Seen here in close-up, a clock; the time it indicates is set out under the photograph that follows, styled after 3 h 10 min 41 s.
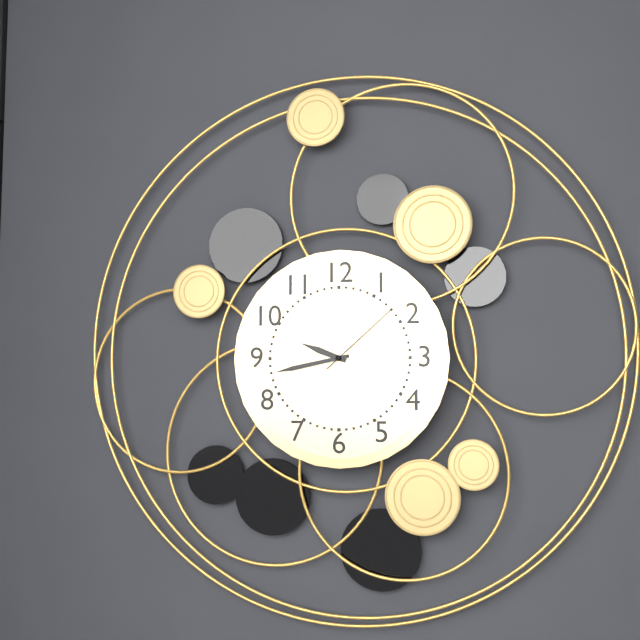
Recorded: 9 h 43 min 08 s
